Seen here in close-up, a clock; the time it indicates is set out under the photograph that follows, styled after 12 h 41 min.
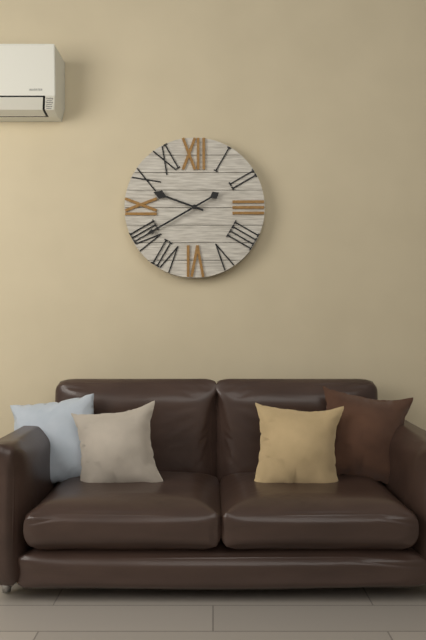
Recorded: 9 h 40 min
